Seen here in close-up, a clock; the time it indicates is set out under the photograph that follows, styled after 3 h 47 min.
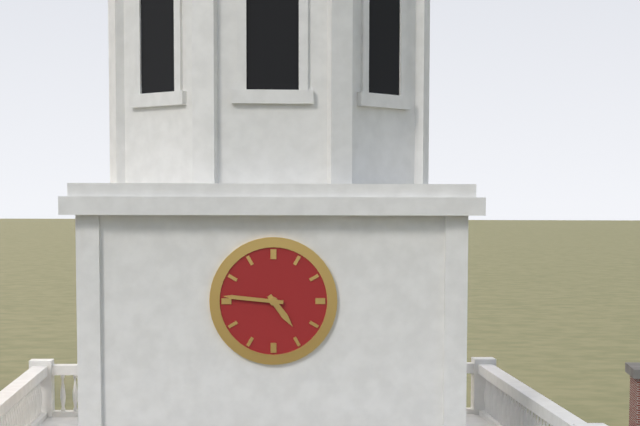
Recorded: 4 h 46 min
